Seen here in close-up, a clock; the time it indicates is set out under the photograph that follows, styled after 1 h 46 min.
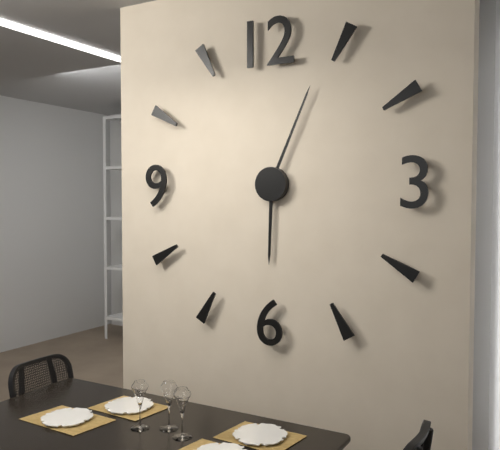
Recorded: 6 h 04 min
